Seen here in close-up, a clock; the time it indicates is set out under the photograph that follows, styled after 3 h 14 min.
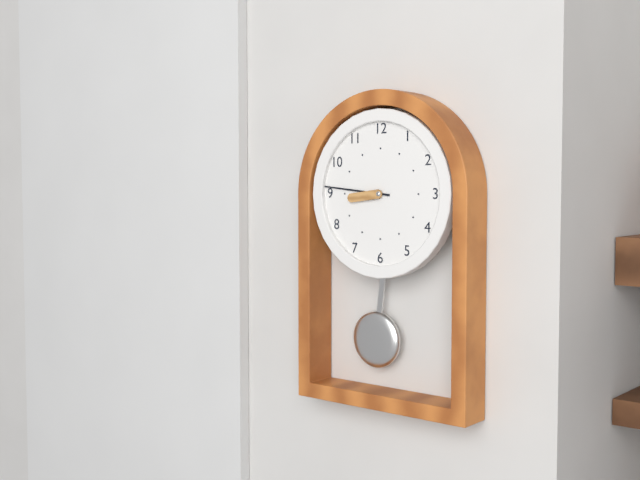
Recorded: 8 h 46 min
